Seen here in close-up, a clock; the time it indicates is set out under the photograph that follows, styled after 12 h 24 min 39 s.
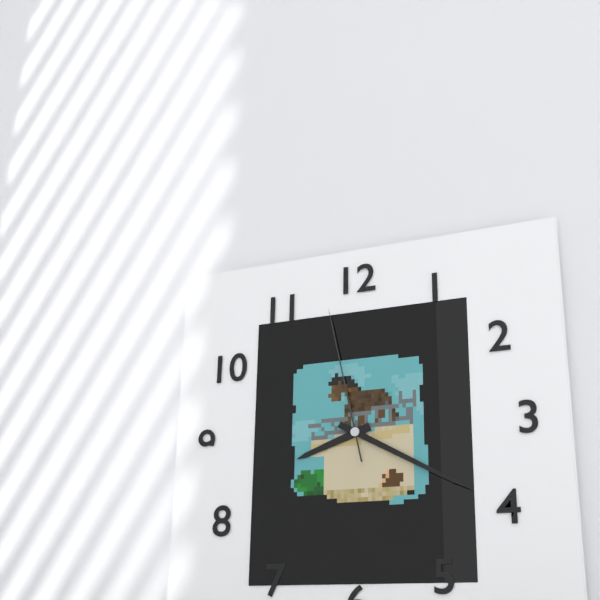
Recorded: 8 h 20 min 58 s
